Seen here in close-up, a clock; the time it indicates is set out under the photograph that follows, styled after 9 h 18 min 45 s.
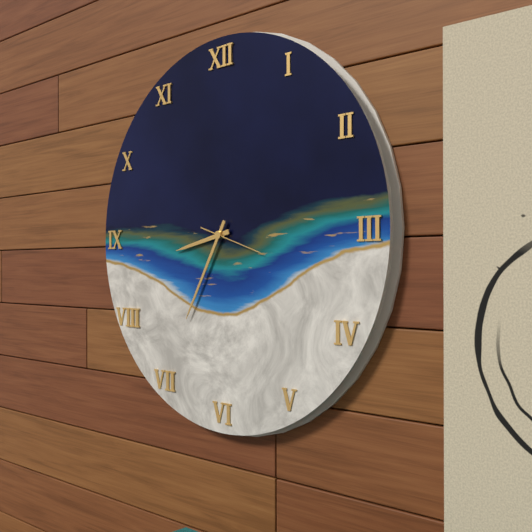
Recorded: 8 h 35 min 18 s
